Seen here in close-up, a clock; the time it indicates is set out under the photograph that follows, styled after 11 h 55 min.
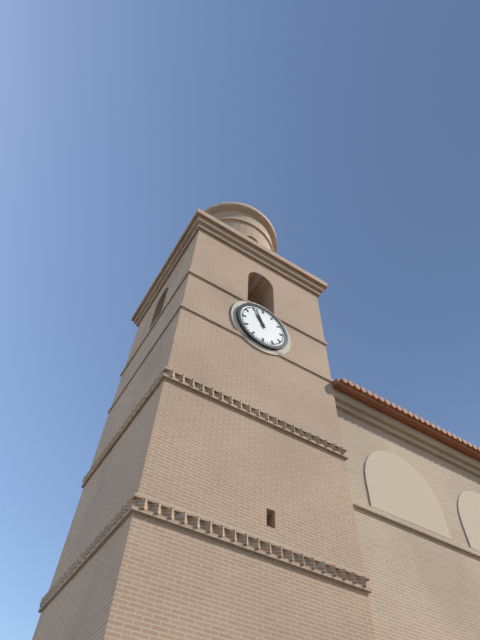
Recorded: 10 h 56 min
